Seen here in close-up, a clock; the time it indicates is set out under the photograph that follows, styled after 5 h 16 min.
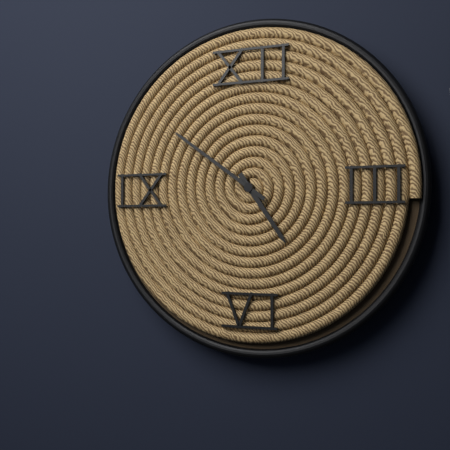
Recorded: 4 h 51 min
